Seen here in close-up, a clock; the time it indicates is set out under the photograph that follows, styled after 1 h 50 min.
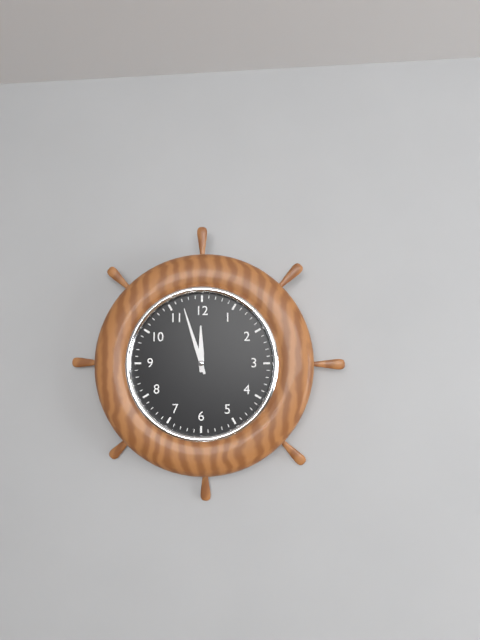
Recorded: 11 h 57 min
